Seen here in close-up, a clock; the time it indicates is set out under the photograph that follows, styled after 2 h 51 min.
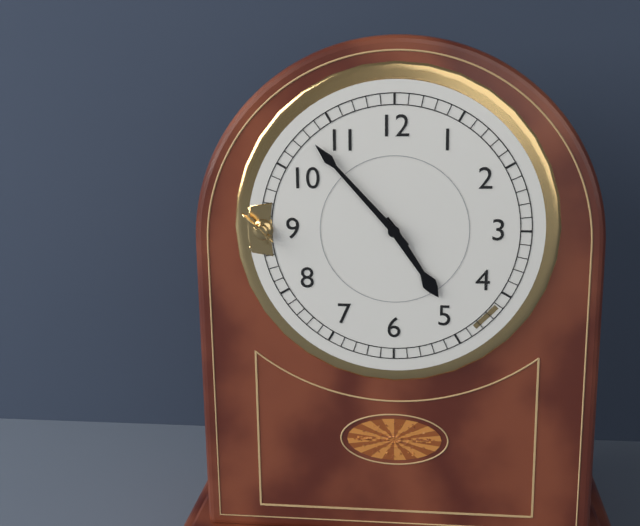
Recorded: 4 h 53 min
